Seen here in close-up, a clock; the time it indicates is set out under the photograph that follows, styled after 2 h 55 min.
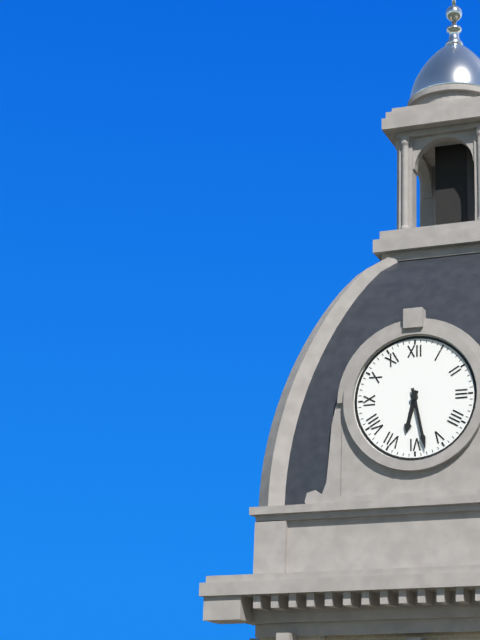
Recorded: 6 h 28 min
